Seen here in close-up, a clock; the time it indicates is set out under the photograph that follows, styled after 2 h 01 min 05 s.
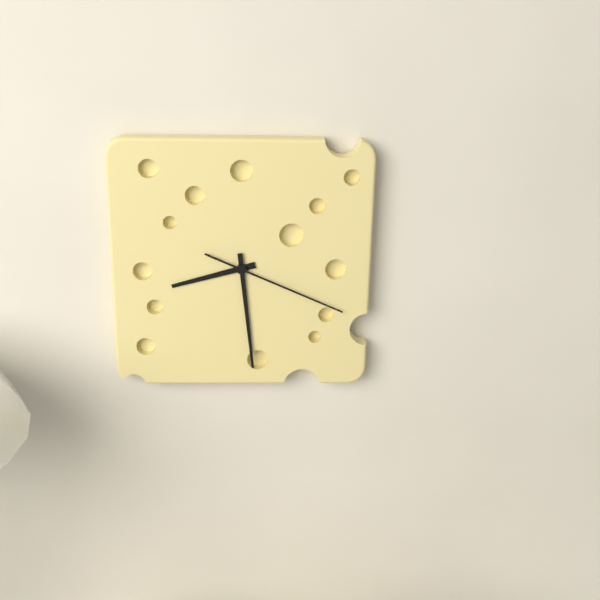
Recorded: 8 h 29 min 19 s
